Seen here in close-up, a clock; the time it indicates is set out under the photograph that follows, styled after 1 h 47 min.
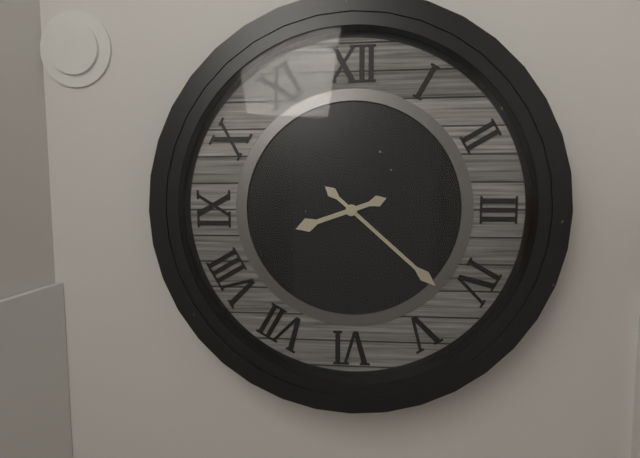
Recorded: 8 h 22 min
